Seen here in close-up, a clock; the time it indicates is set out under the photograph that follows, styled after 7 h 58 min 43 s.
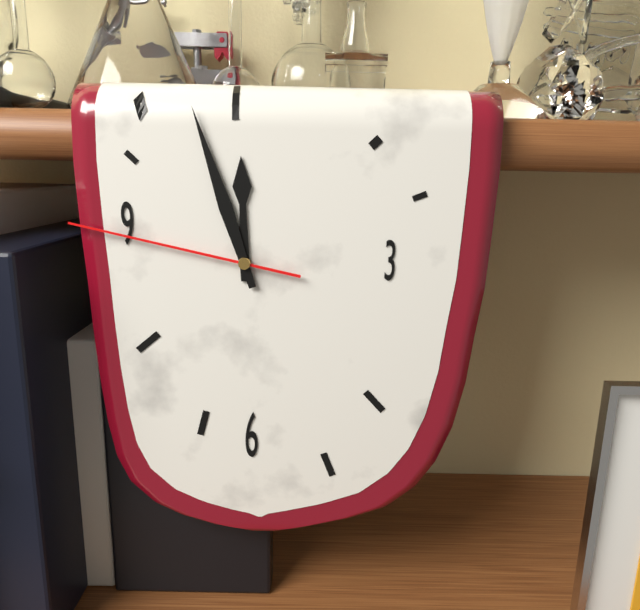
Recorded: 11 h 57 min 47 s
